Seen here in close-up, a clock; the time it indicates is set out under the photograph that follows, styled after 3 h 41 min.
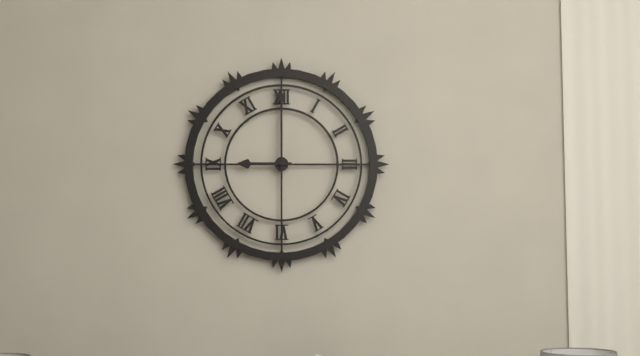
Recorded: 9 h 00 min
